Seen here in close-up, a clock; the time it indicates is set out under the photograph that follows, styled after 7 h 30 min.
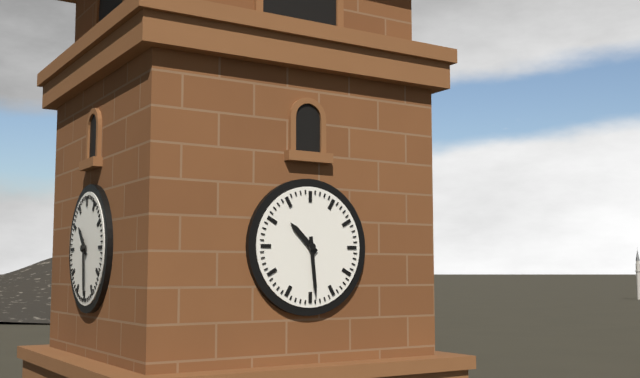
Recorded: 10 h 29 min
